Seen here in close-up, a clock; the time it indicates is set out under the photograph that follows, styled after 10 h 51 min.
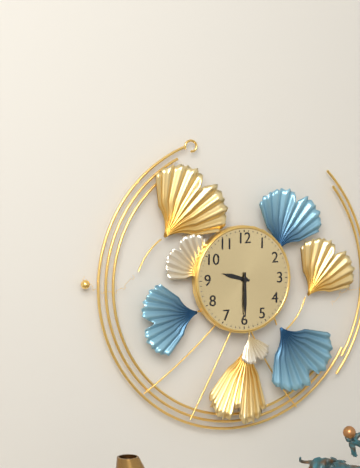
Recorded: 9 h 30 min
